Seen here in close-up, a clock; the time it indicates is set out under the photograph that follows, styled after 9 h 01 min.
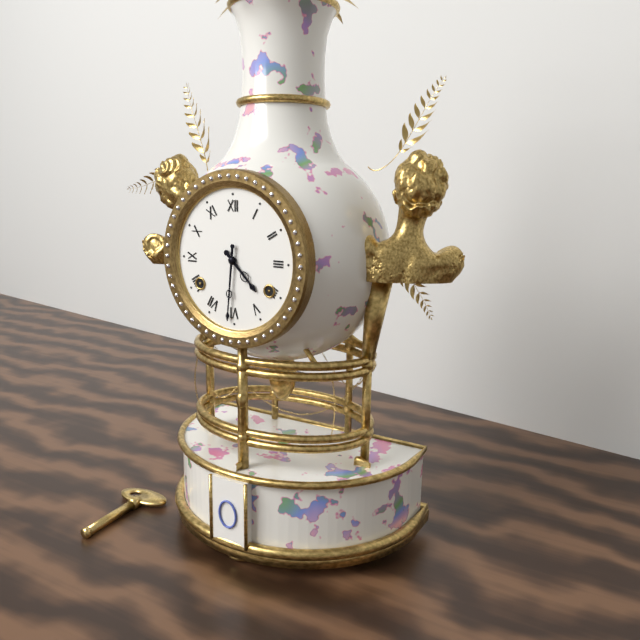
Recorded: 4 h 31 min
